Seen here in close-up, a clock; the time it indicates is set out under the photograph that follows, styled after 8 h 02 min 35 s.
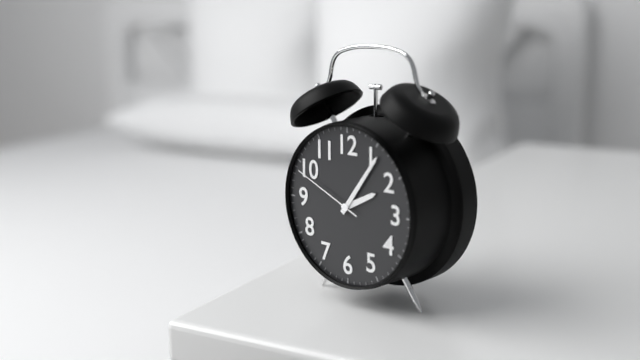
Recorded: 2 h 06 min 49 s
